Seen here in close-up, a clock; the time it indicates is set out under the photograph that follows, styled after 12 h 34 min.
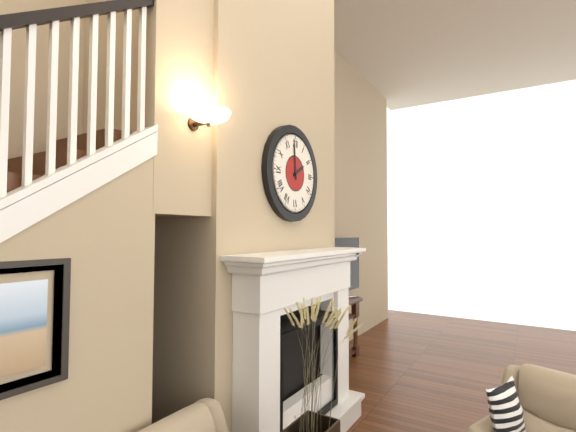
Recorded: 1 h 59 min
